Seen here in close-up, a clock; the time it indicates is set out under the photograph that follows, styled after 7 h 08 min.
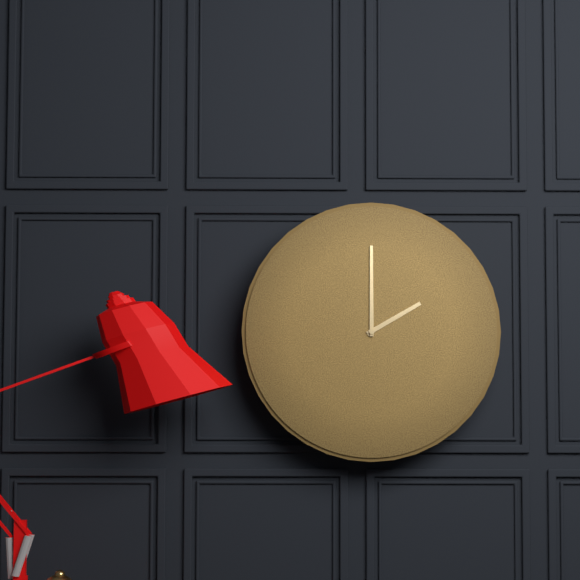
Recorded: 2 h 00 min
